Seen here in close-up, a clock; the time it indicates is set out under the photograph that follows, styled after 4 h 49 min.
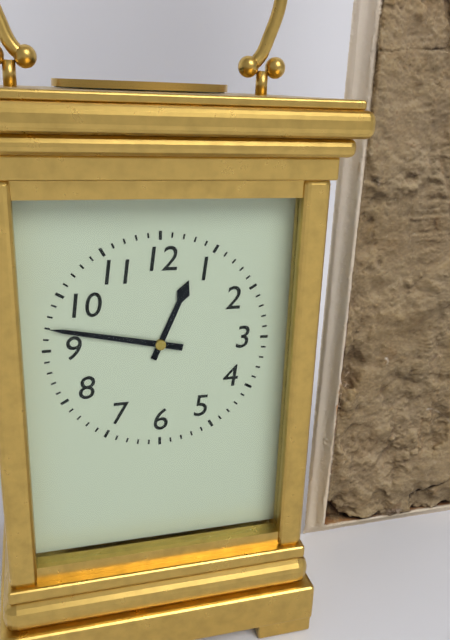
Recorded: 12 h 47 min
